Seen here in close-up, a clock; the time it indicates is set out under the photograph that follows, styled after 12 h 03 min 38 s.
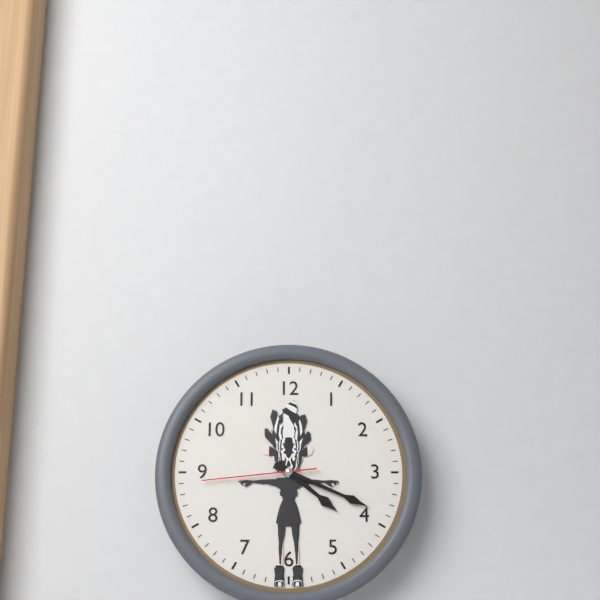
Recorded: 4 h 19 min 44 s
